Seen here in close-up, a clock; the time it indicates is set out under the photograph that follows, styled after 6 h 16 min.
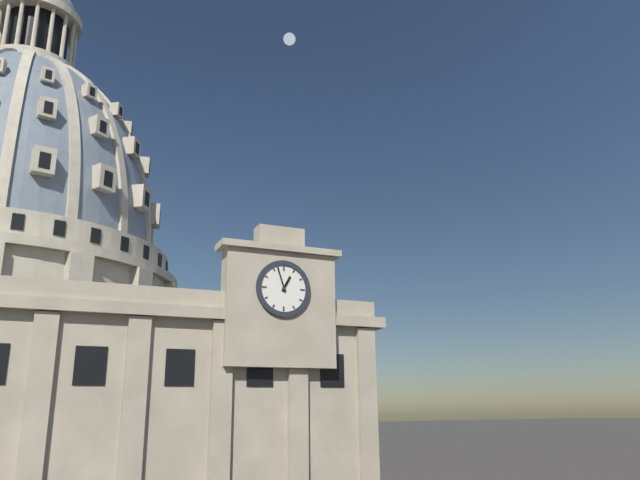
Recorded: 12 h 57 min
